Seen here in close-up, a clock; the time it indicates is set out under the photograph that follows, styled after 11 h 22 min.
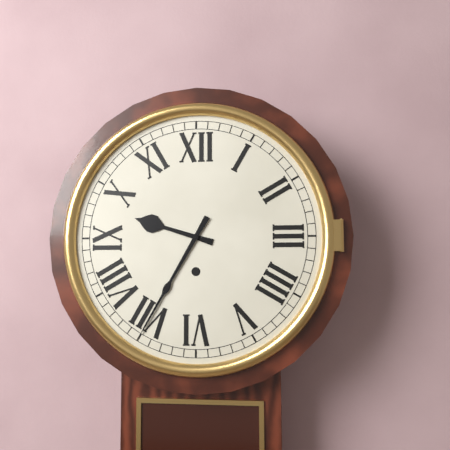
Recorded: 9 h 35 min
